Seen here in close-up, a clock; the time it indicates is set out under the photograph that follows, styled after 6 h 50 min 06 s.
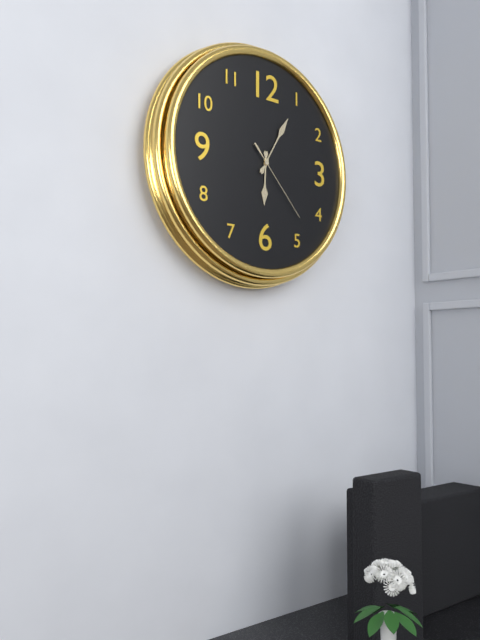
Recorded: 6 h 05 min 23 s
